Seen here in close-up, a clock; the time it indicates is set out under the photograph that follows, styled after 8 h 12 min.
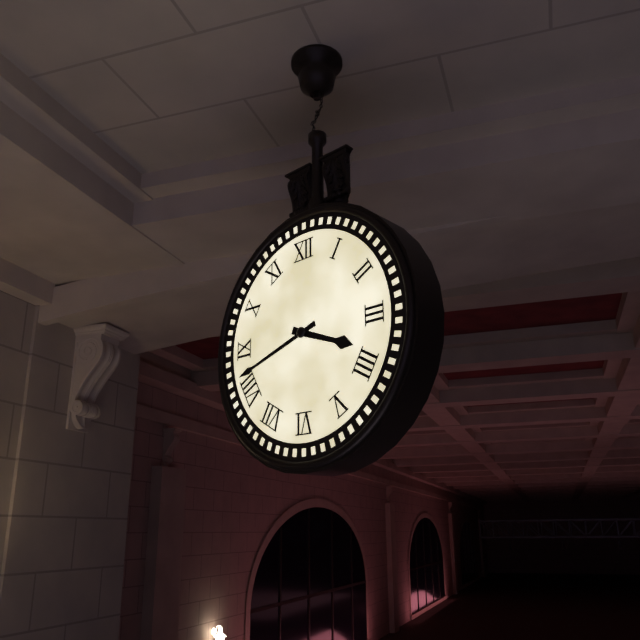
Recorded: 3 h 42 min
